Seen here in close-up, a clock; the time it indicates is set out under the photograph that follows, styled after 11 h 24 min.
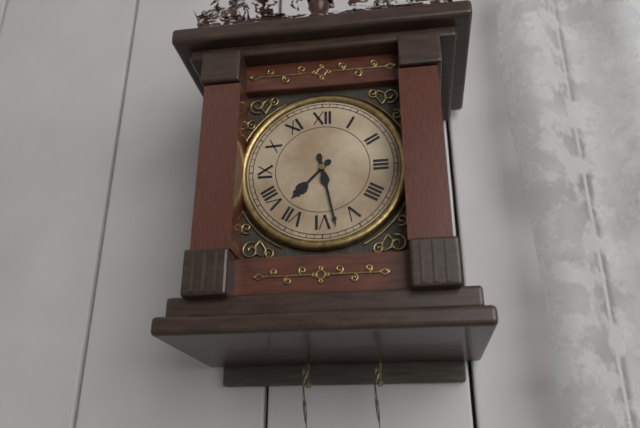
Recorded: 7 h 28 min
